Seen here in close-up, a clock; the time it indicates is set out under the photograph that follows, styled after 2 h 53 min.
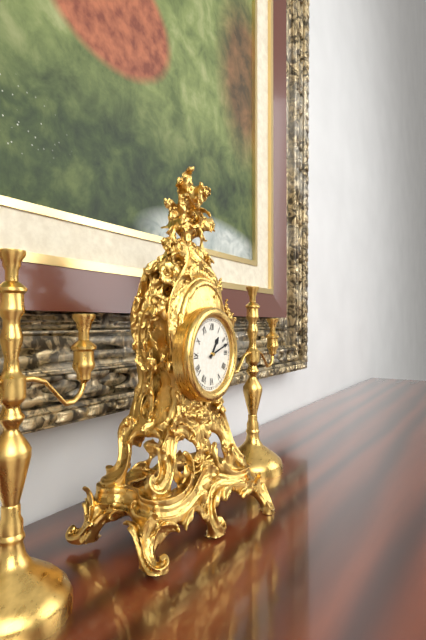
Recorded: 1 h 12 min
